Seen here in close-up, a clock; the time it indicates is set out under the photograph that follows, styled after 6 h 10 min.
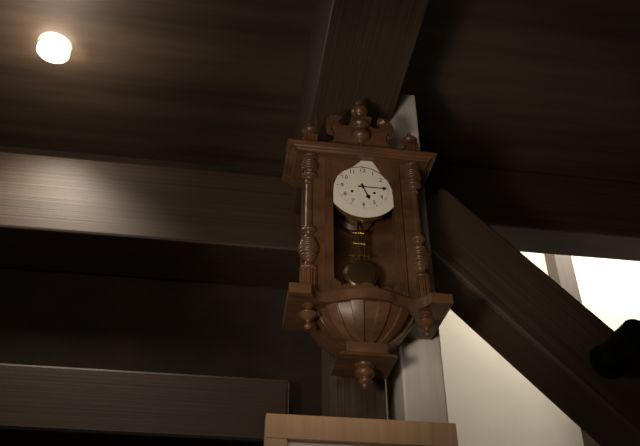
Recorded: 5 h 15 min
